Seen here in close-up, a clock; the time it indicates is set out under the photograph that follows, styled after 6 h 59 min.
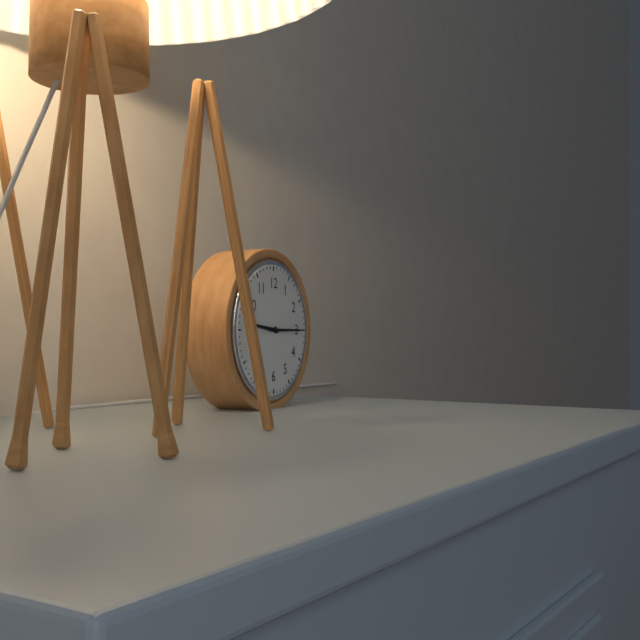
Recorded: 9 h 15 min
